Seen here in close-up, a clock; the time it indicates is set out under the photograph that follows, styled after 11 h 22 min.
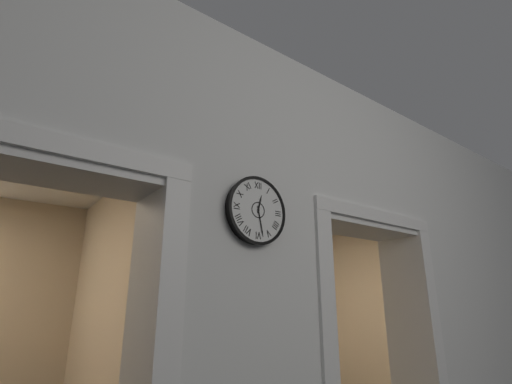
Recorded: 12 h 28 min
